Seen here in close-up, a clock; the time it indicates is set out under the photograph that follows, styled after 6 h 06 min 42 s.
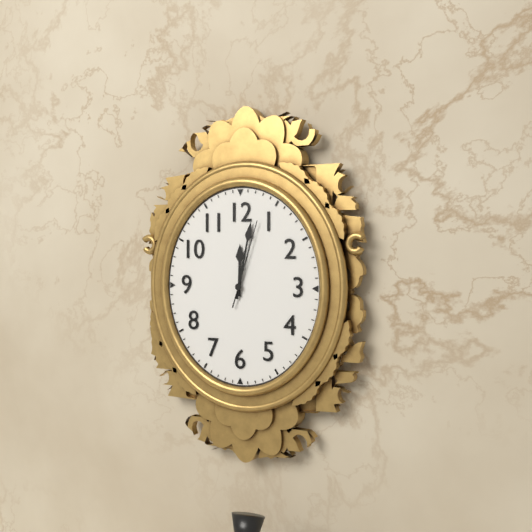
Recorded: 12 h 02 min 03 s
